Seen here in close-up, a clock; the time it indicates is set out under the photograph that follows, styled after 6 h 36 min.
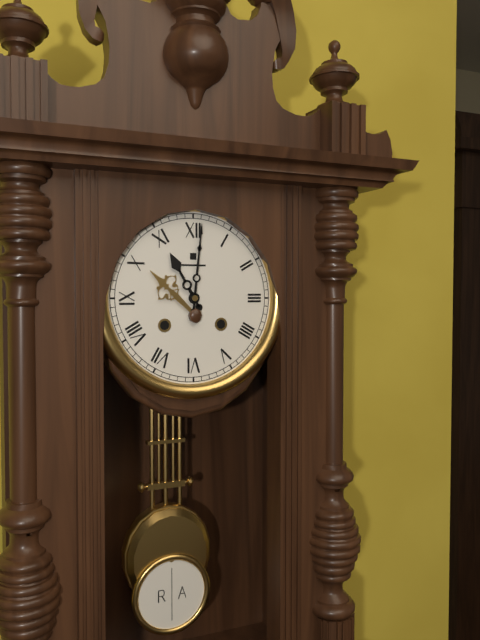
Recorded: 11 h 01 min
